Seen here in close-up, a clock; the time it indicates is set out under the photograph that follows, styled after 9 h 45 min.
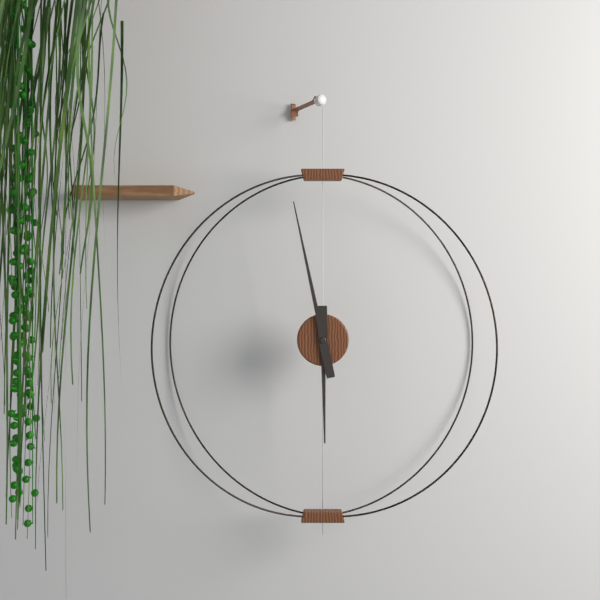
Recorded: 5 h 58 min
